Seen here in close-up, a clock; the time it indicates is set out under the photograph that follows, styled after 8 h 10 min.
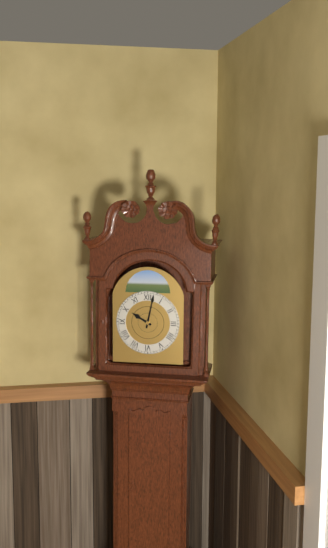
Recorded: 10 h 02 min
